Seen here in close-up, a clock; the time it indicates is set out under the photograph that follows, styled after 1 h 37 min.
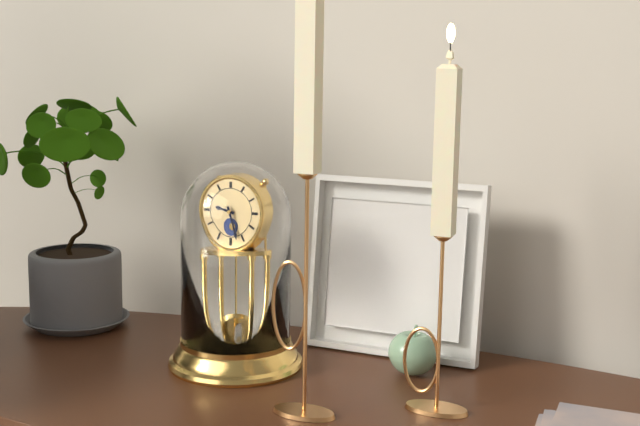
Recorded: 9 h 27 min
